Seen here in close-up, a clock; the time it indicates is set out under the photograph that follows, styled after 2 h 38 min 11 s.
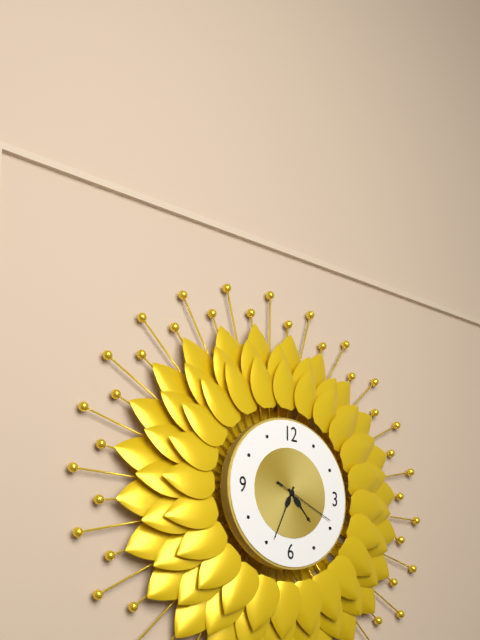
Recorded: 4 h 34 min 19 s
